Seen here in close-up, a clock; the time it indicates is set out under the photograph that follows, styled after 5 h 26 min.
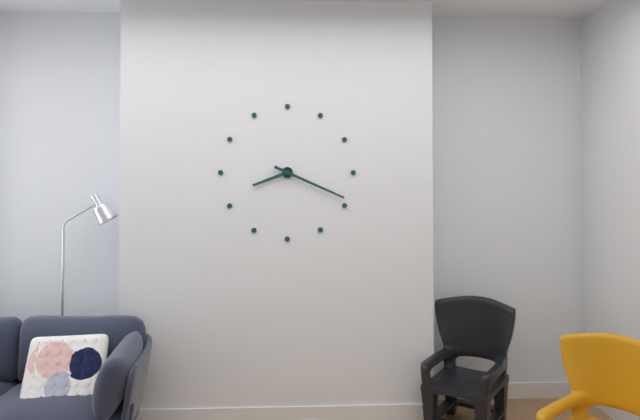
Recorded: 8 h 19 min
